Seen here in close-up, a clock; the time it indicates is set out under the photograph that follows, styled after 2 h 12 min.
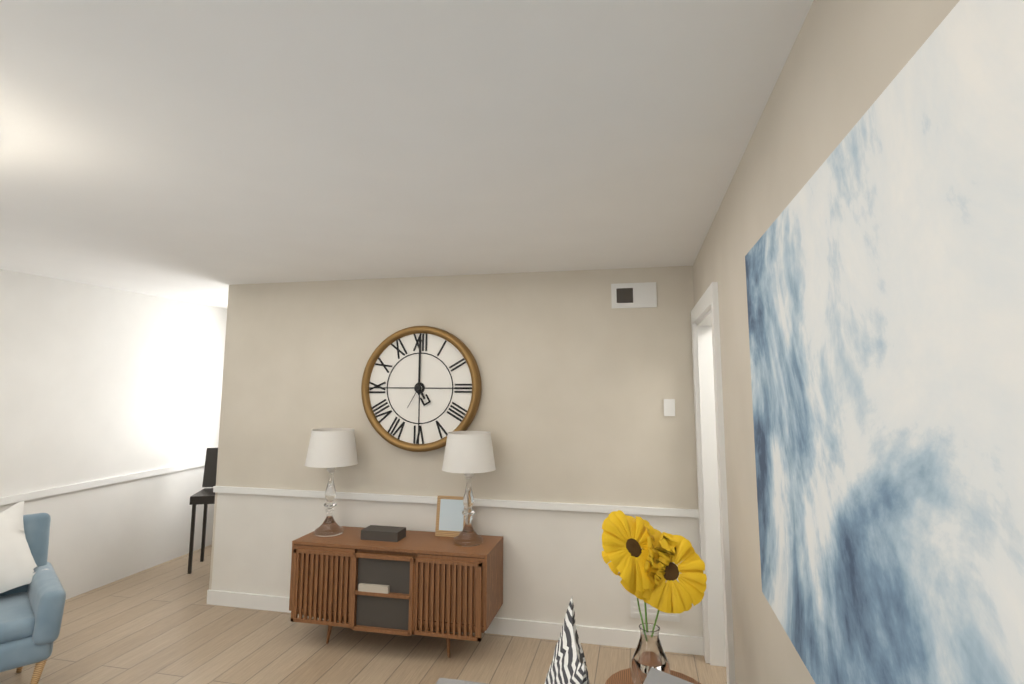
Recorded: 5 h 00 min
